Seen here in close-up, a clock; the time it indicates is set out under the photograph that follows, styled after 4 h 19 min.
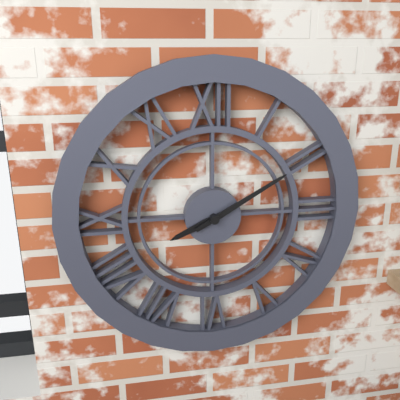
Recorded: 8 h 10 min
